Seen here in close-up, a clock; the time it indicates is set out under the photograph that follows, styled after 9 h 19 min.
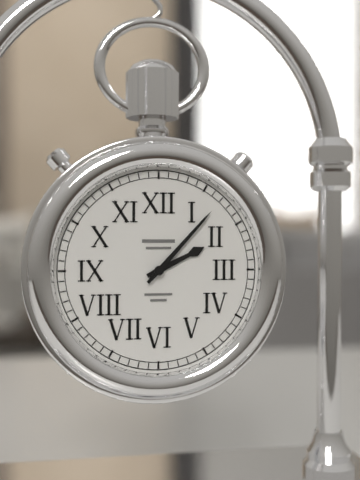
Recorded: 2 h 07 min
